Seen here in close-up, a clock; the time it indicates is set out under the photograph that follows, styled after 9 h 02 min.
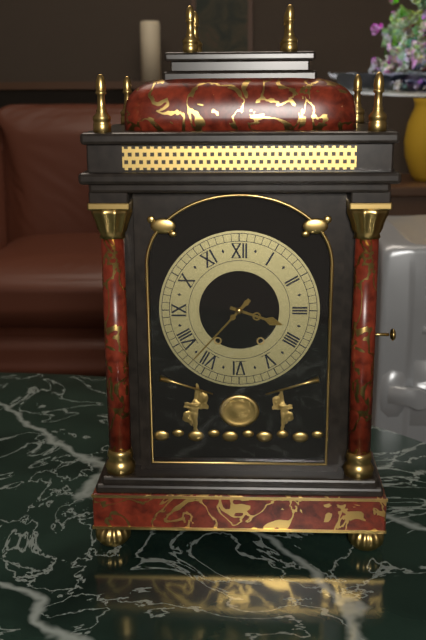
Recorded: 3 h 37 min
